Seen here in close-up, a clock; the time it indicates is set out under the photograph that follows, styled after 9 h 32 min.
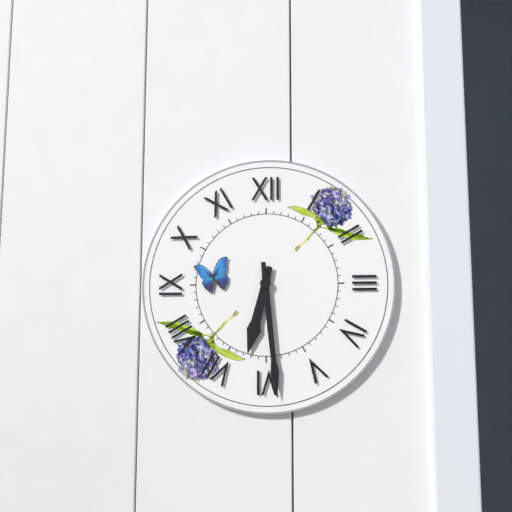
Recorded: 6 h 29 min
